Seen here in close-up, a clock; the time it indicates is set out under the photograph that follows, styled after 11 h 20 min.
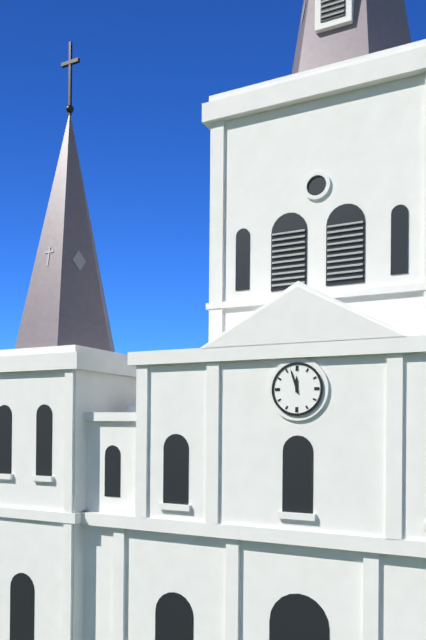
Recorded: 11 h 57 min
